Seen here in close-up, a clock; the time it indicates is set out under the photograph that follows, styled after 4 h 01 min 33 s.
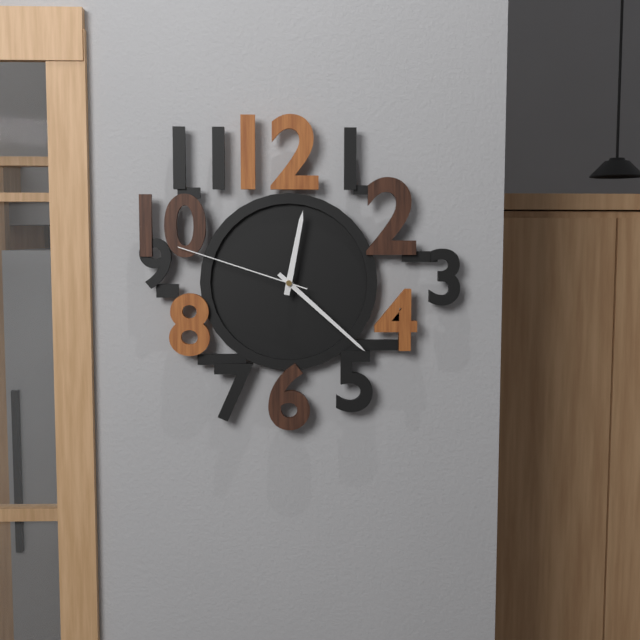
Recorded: 12 h 22 min 48 s
